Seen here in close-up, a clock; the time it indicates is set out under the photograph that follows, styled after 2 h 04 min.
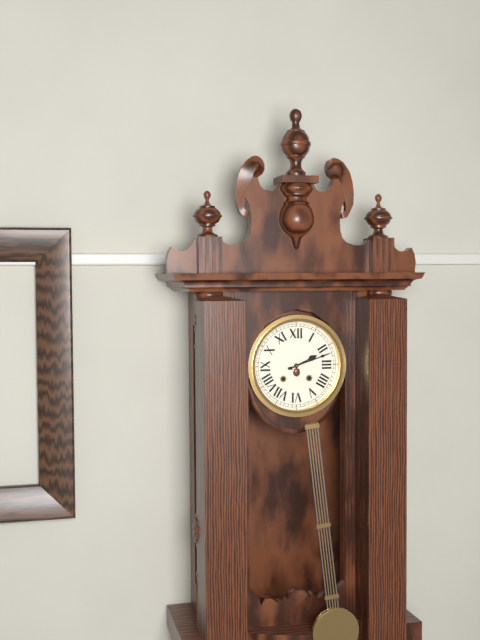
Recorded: 2 h 12 min
